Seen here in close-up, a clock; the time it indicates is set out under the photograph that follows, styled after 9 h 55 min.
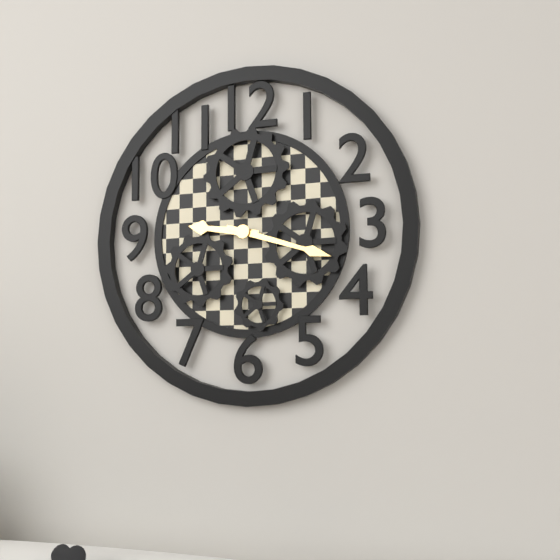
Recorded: 9 h 18 min
